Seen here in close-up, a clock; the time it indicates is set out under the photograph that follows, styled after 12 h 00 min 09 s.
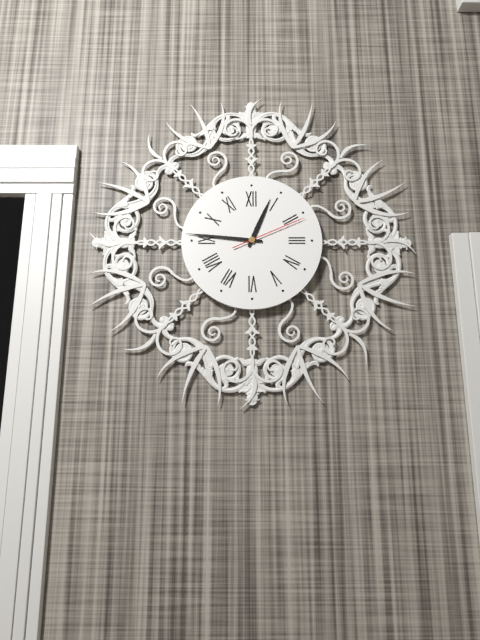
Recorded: 12 h 46 min 11 s
